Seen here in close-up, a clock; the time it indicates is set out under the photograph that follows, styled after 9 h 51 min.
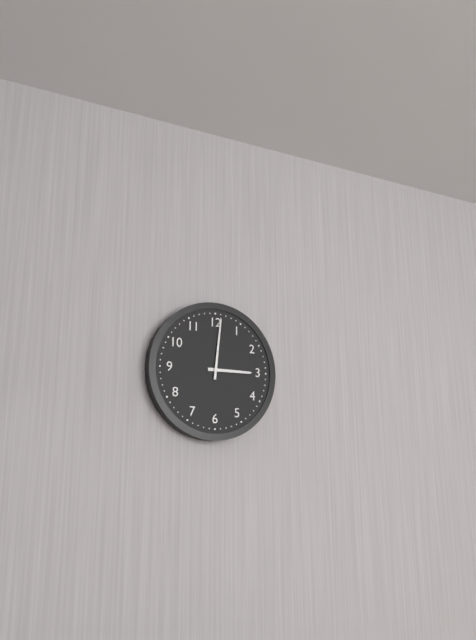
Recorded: 3 h 01 min
